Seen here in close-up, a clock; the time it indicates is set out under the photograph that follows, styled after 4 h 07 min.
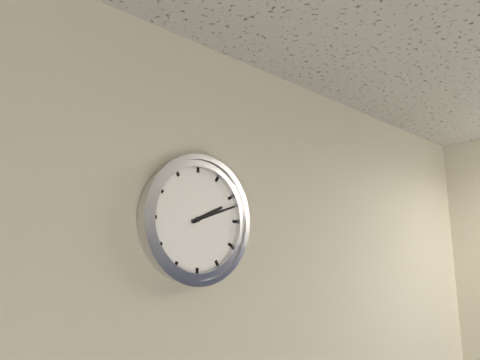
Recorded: 2 h 12 min
